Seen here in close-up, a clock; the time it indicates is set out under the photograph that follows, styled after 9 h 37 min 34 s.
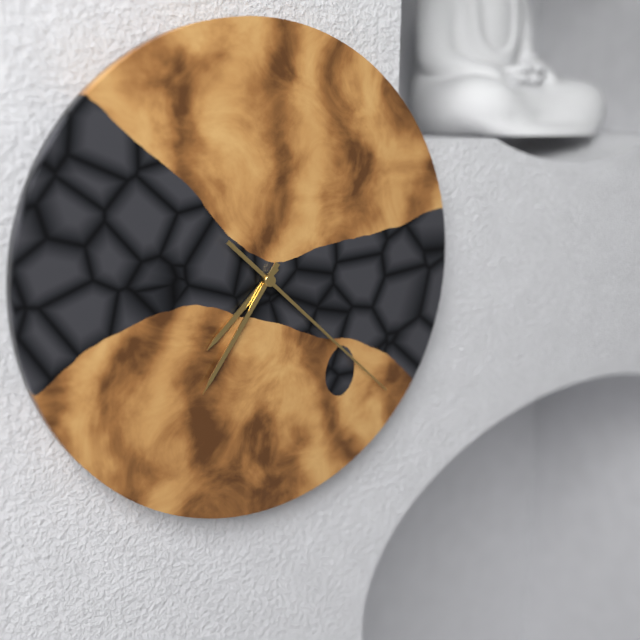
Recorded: 7 h 36 min 22 s
